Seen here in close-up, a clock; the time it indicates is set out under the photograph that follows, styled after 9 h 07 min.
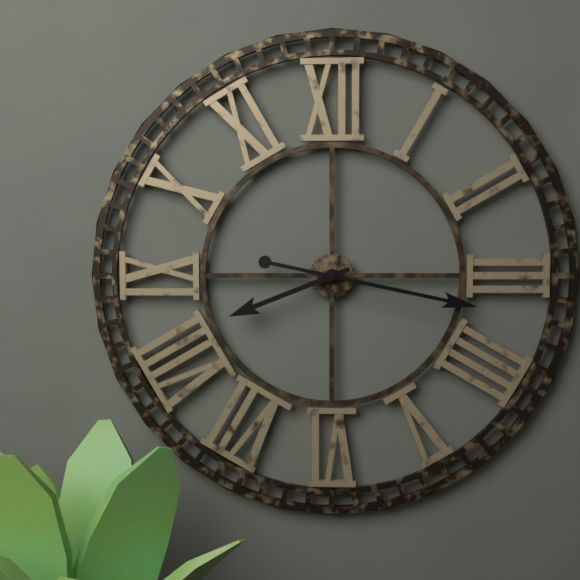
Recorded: 8 h 17 min
